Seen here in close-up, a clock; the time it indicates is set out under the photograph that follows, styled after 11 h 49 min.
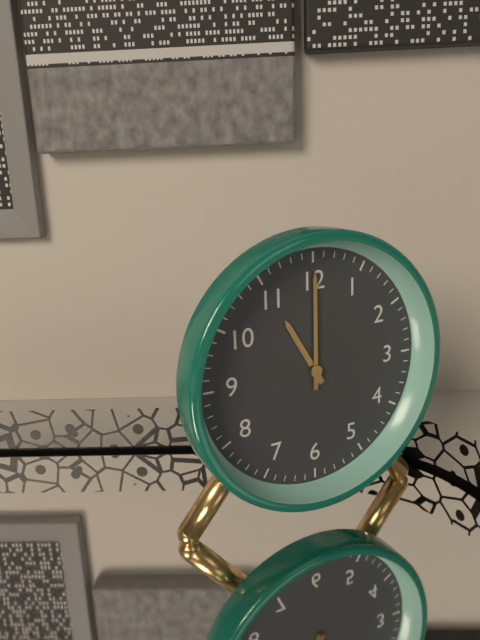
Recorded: 11 h 00 min
